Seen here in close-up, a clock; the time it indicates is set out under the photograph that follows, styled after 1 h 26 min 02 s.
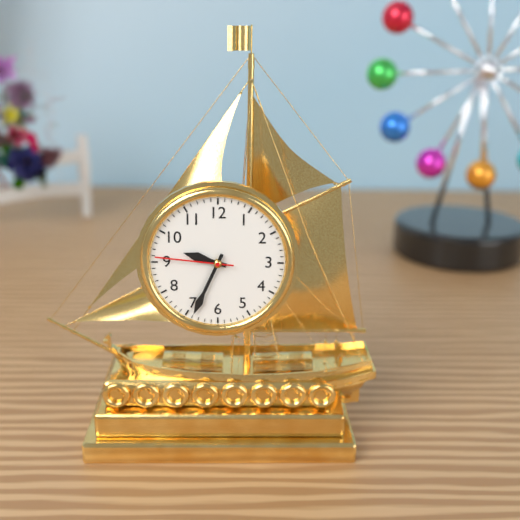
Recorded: 9 h 34 min 46 s
